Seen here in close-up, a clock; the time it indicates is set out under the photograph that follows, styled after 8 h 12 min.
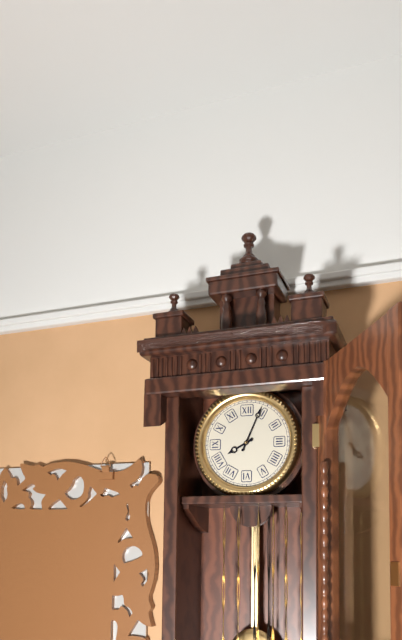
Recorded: 8 h 04 min
